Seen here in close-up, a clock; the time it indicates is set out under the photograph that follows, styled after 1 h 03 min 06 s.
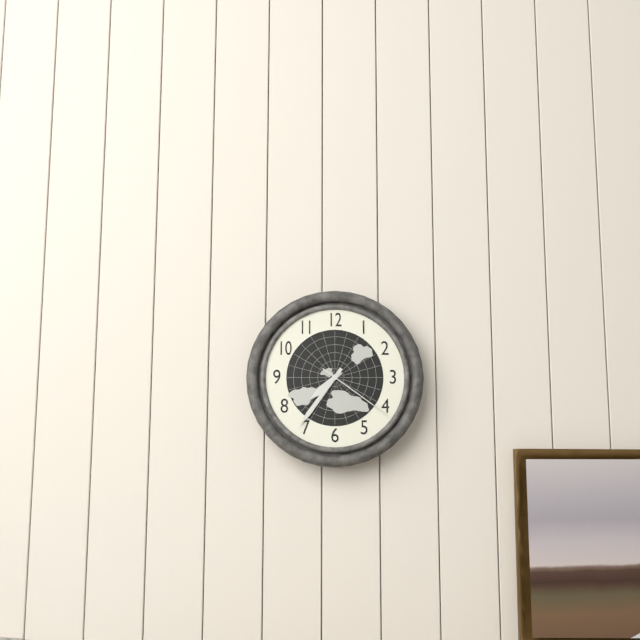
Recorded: 7 h 36 min 21 s
